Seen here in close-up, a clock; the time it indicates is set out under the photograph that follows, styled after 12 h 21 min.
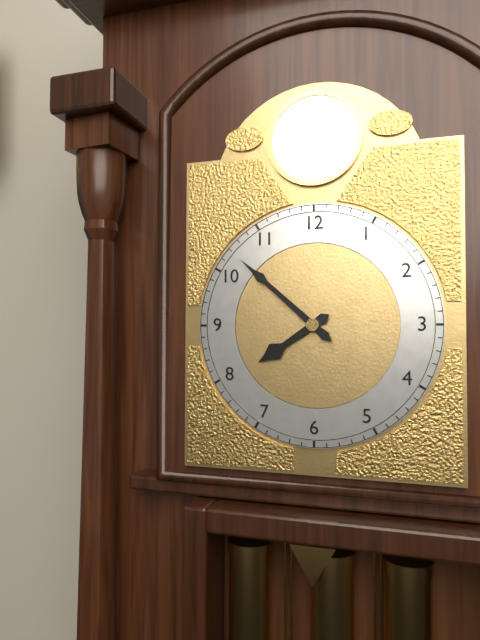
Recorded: 7 h 52 min
